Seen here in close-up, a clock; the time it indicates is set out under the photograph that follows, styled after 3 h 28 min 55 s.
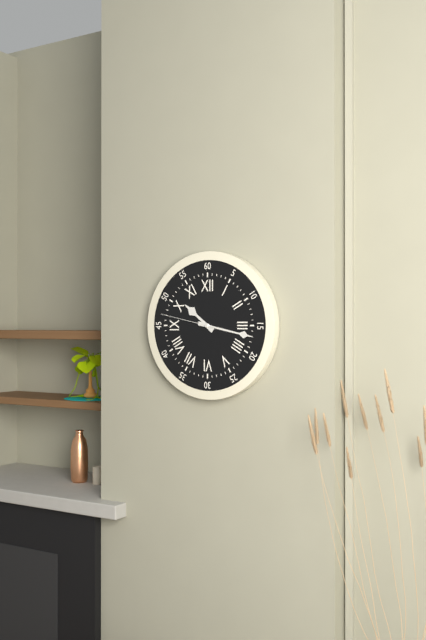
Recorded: 10 h 17 min 47 s
